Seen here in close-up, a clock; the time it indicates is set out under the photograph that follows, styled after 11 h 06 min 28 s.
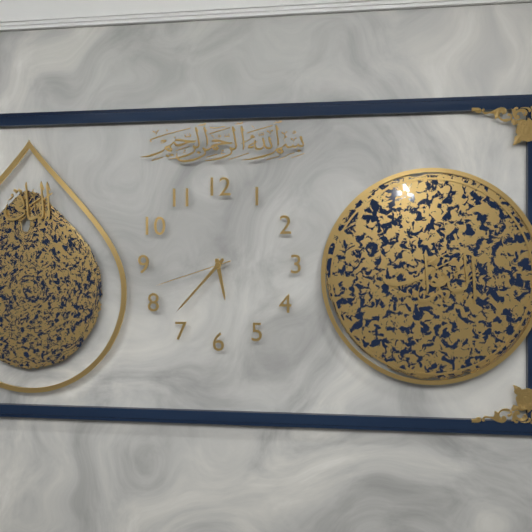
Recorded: 5 h 37 min 42 s
